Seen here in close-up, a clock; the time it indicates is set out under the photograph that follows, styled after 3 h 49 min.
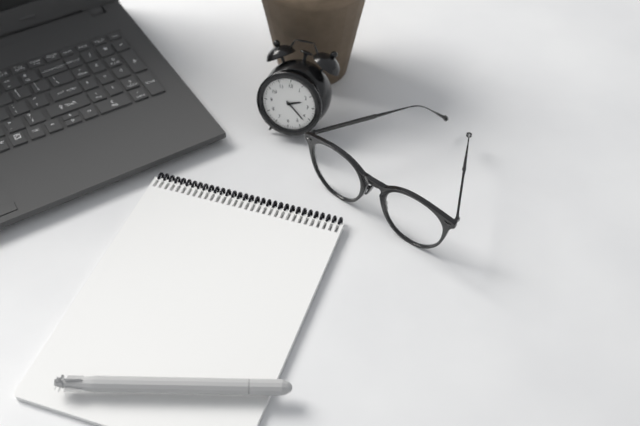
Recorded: 2 h 22 min
